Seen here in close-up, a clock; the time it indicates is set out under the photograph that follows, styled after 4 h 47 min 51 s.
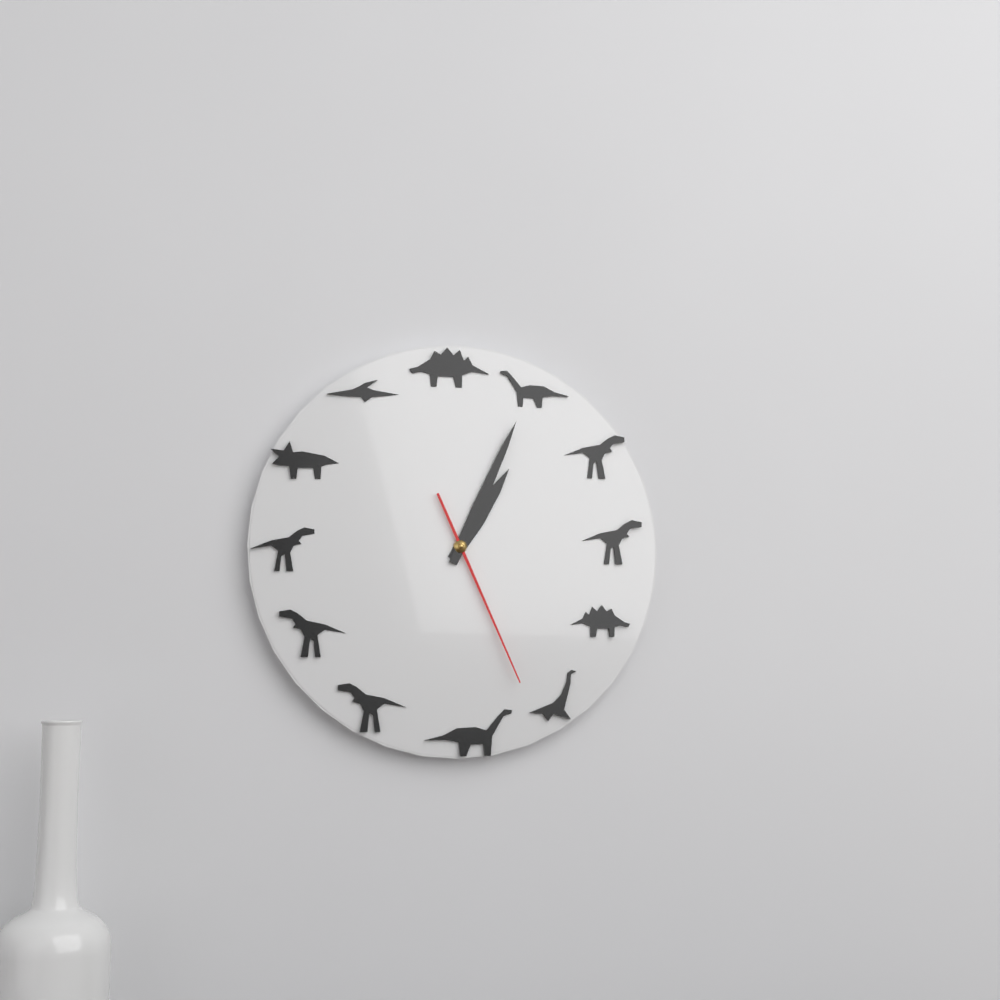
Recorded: 1 h 04 min 26 s
